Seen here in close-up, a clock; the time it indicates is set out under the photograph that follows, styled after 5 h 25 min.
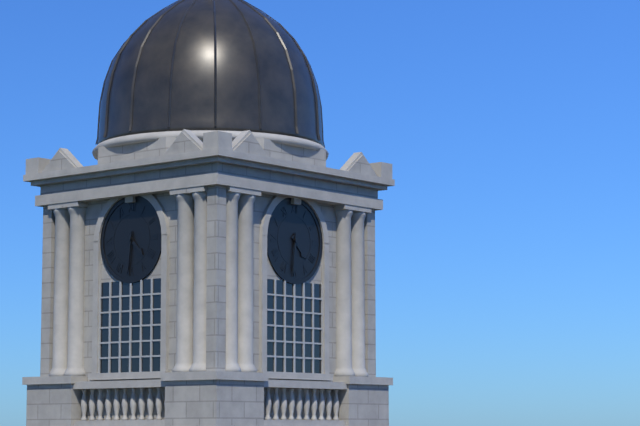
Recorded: 4 h 31 min
